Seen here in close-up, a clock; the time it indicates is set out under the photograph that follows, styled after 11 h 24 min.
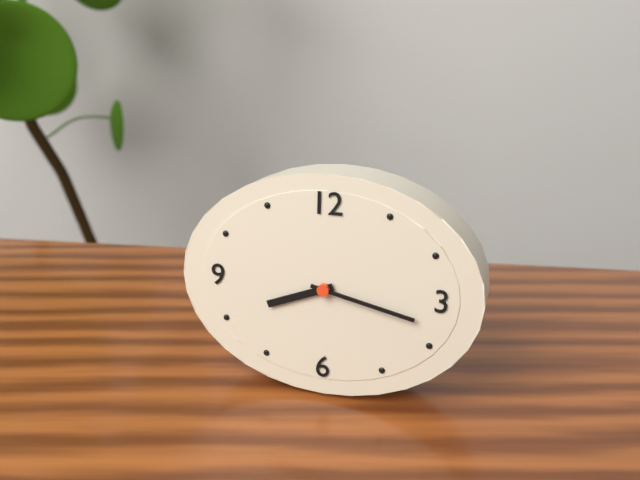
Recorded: 8 h 17 min
